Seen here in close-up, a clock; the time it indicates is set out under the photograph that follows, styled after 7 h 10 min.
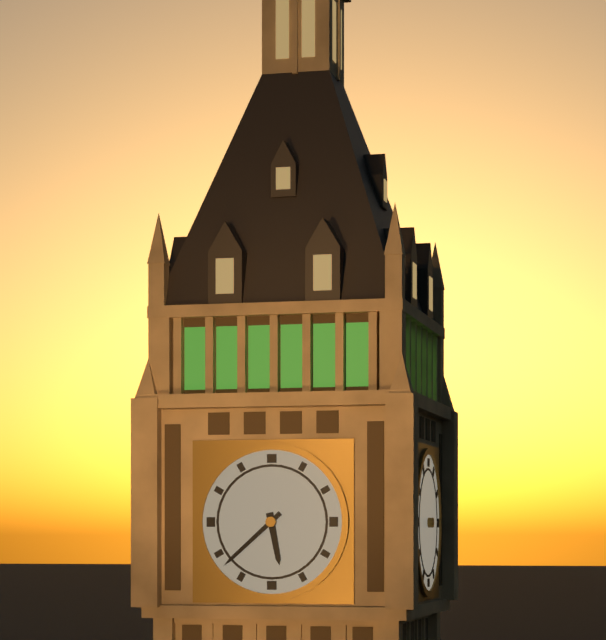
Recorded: 5 h 38 min
